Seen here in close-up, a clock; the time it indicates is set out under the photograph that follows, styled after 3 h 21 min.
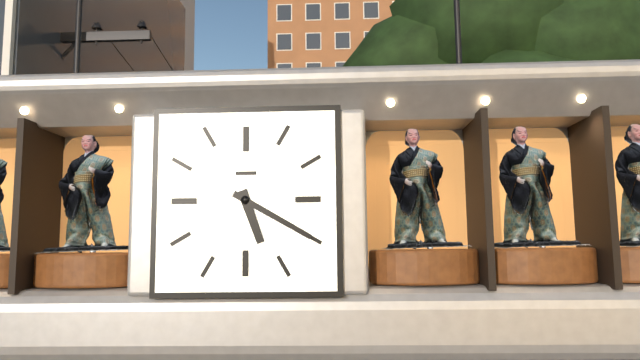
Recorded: 5 h 20 min
